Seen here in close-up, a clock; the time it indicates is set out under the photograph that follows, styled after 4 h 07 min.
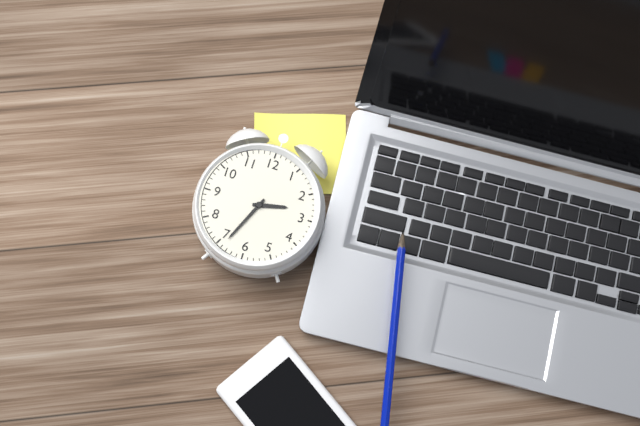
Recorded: 2 h 34 min
